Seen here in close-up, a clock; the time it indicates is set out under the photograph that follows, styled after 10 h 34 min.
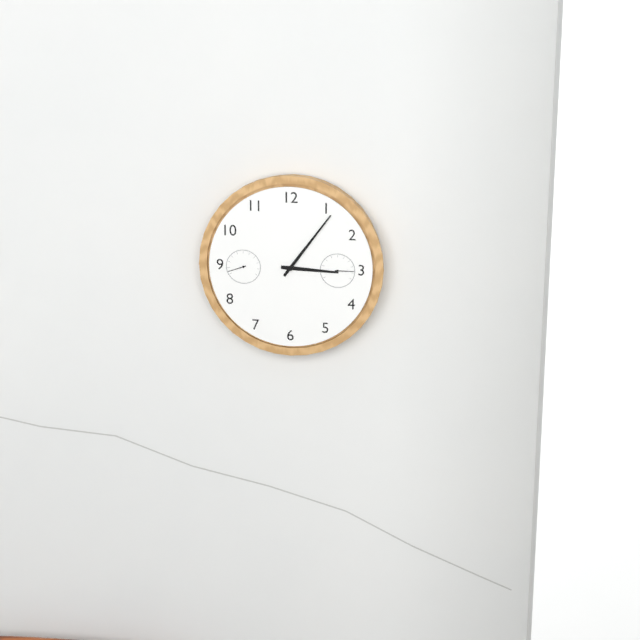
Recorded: 3 h 06 min
